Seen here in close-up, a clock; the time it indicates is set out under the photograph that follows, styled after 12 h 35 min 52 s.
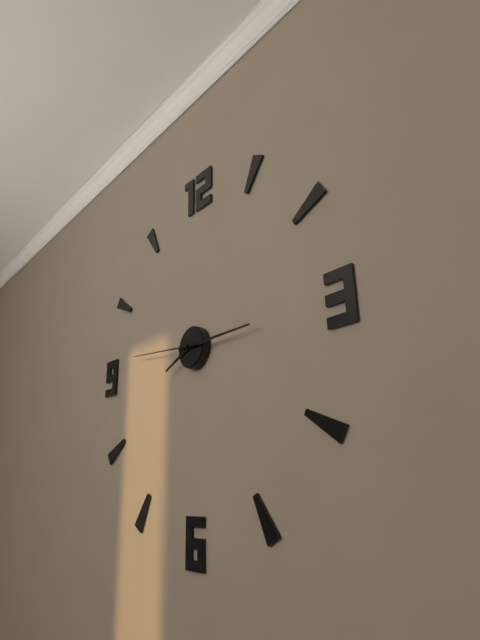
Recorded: 8 h 15 min 46 s
